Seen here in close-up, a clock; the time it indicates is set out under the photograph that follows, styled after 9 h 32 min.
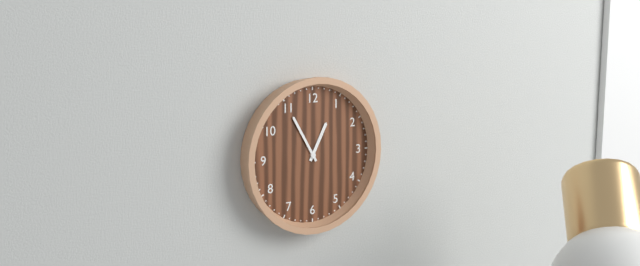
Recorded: 12 h 55 min
